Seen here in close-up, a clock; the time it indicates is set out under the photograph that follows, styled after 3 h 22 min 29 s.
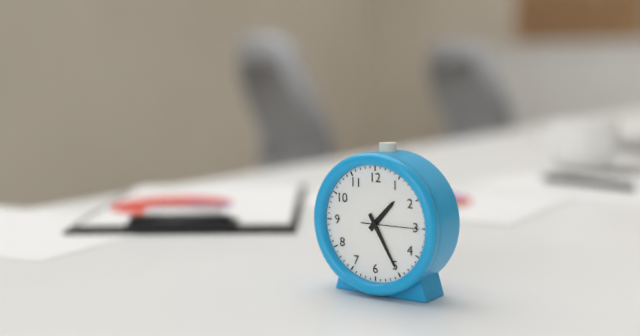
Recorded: 1 h 25 min 15 s
